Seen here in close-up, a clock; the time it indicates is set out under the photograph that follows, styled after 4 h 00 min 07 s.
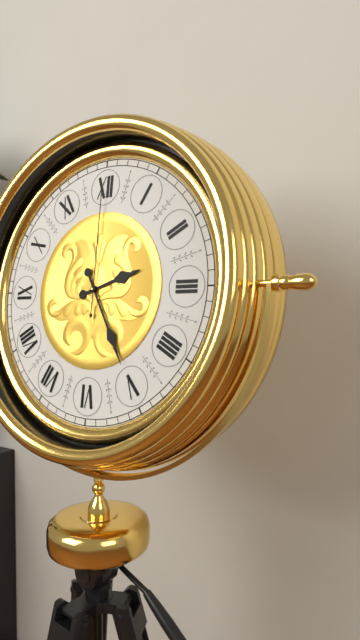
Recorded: 2 h 25 min 00 s
